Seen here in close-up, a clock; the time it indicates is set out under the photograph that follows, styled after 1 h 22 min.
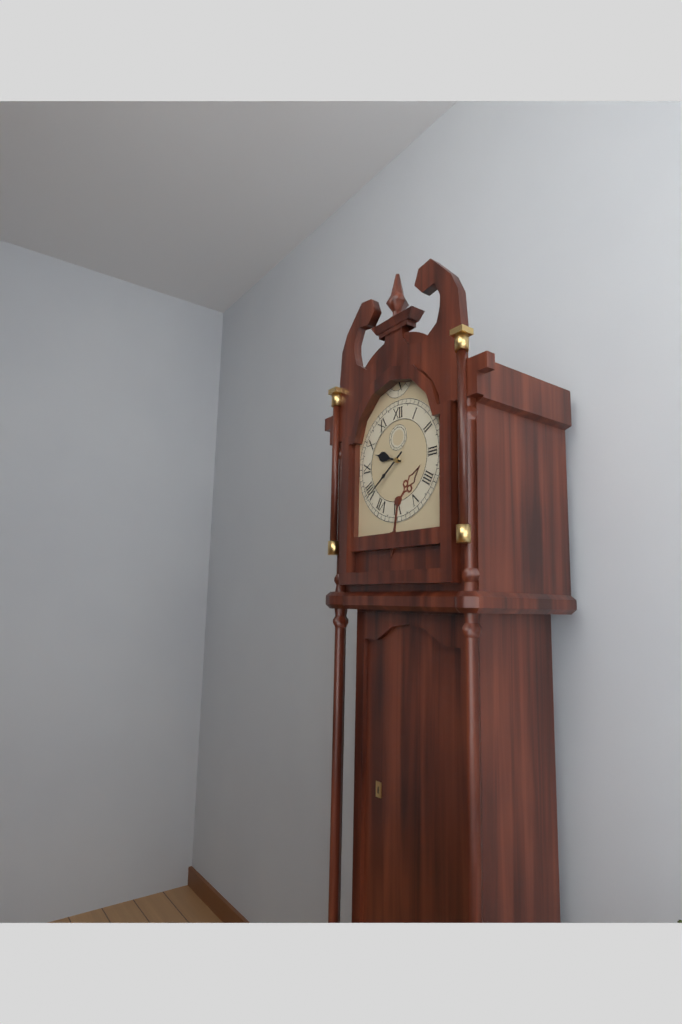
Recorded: 9 h 39 min
